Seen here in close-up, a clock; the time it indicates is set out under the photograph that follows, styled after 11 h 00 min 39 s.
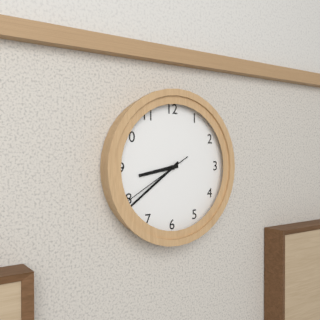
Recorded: 8 h 39 min 40 s
